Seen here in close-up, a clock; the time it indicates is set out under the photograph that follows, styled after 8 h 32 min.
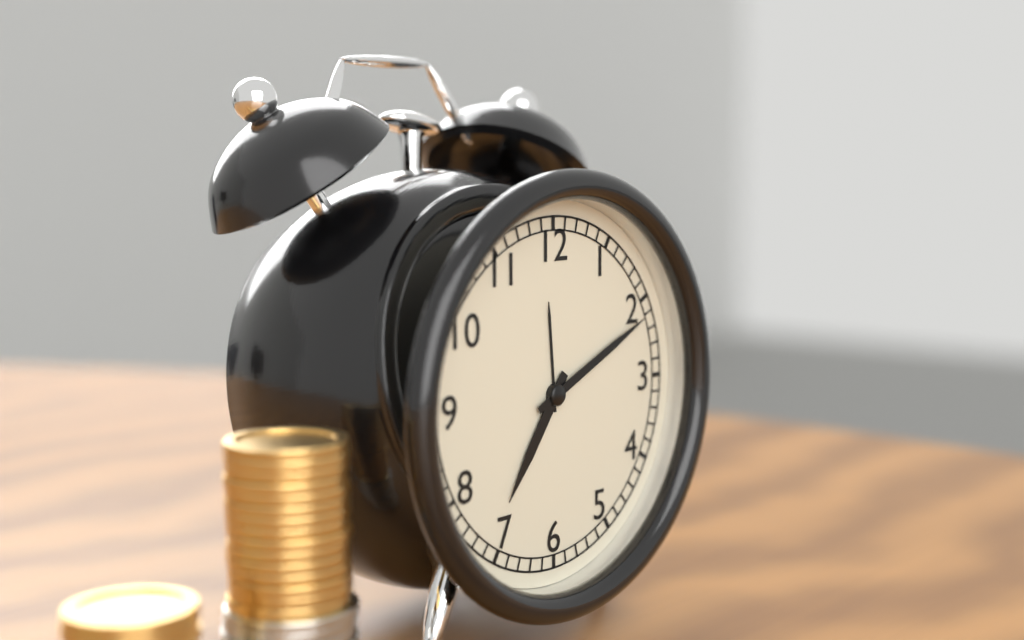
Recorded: 7 h 11 min
